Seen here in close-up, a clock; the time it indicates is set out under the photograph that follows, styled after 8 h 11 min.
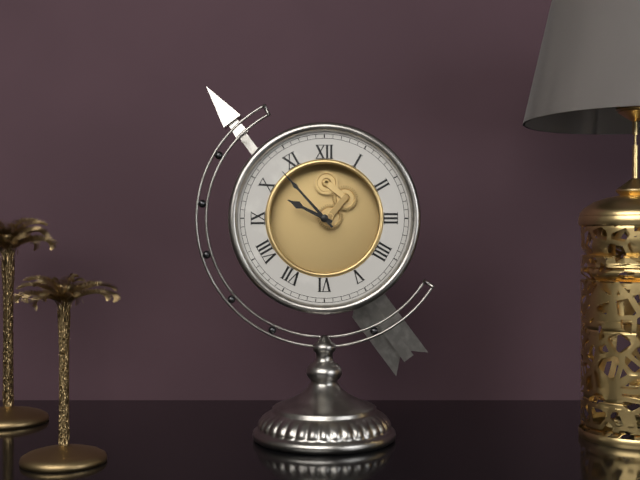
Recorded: 9 h 53 min
